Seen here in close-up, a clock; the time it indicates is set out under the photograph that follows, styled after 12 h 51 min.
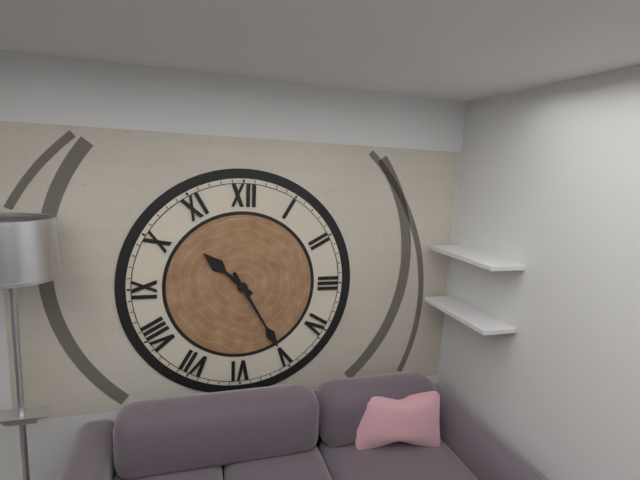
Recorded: 10 h 25 min
